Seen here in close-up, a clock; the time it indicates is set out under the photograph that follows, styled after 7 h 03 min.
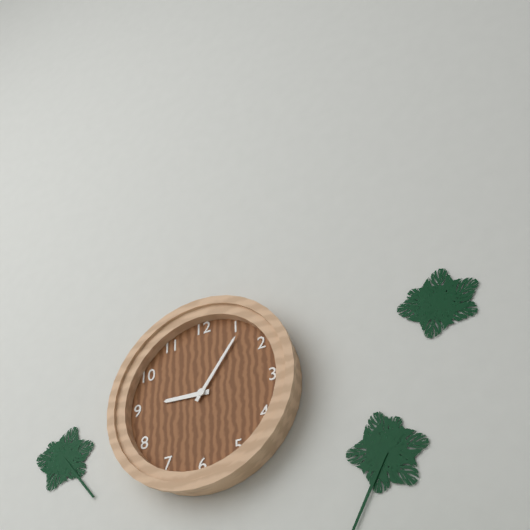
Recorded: 9 h 06 min
